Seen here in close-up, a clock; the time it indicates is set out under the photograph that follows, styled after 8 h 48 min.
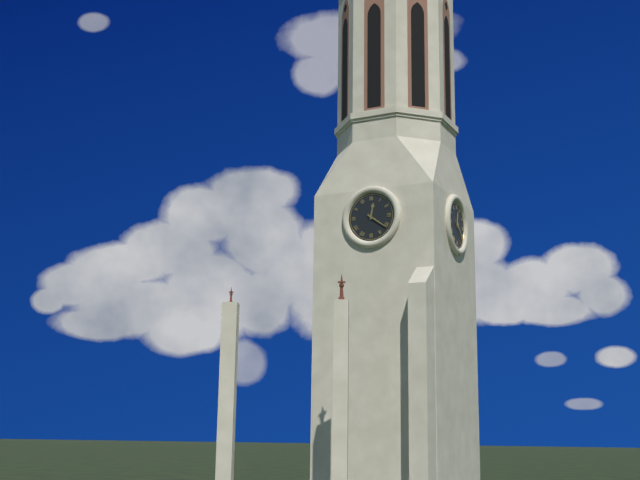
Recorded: 12 h 21 min
